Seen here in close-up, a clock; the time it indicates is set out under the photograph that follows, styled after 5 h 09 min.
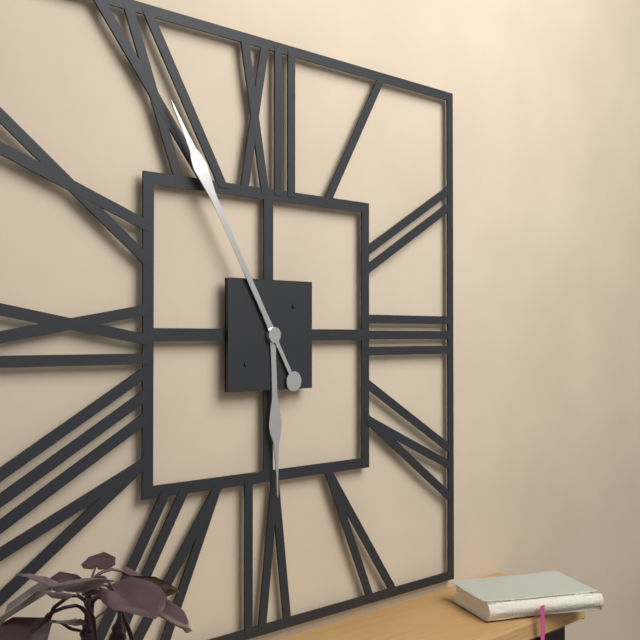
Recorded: 5 h 55 min
